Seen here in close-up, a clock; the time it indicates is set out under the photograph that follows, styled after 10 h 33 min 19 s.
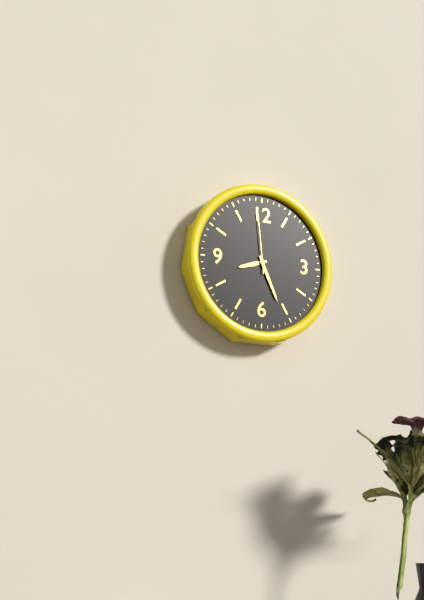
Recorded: 8 h 26 min 59 s
